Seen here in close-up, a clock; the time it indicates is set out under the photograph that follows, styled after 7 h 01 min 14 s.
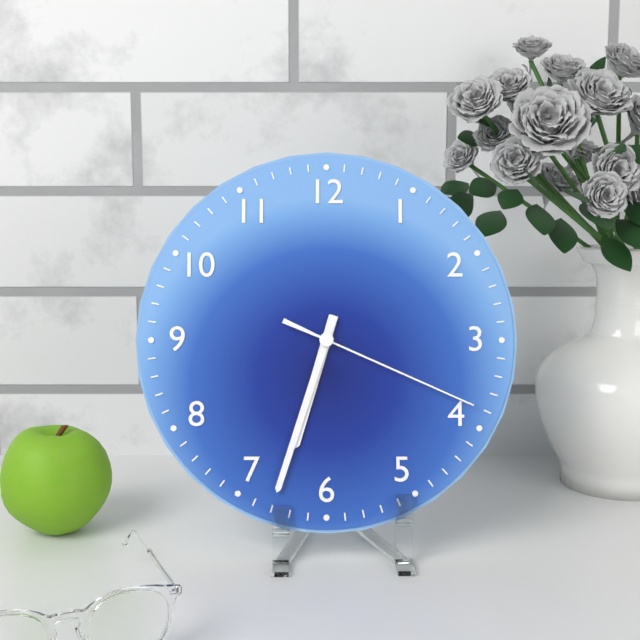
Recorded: 6 h 33 min 19 s
